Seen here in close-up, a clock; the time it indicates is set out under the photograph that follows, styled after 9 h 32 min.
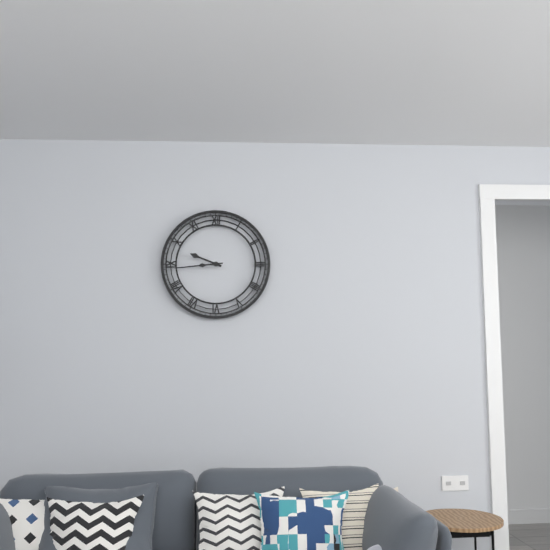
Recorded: 9 h 44 min
